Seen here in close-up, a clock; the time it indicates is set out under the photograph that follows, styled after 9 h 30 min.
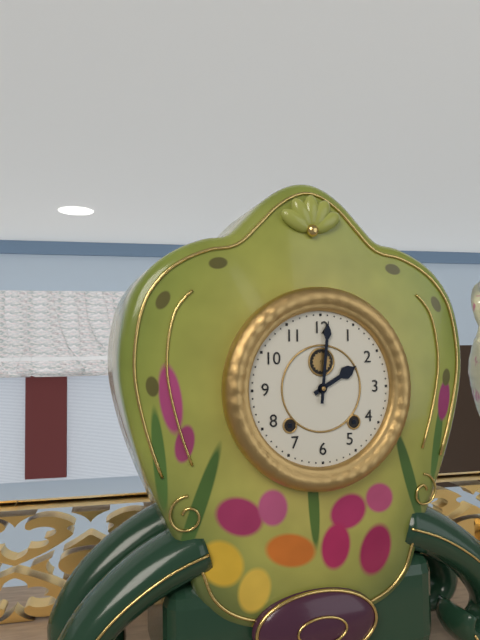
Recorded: 2 h 01 min
